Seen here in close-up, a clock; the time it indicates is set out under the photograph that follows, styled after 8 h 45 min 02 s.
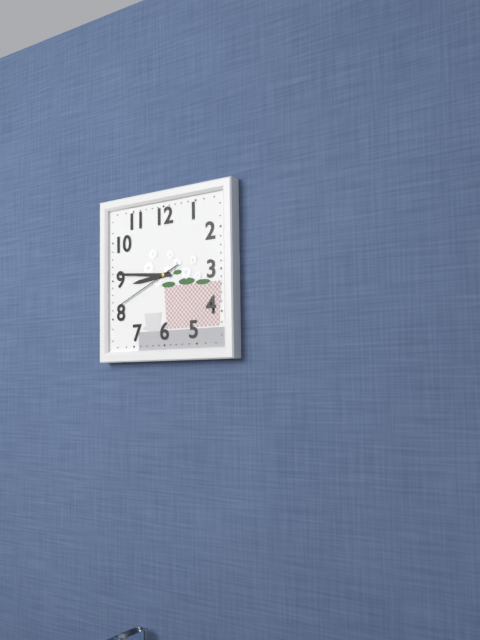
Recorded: 8 h 46 min 41 s
